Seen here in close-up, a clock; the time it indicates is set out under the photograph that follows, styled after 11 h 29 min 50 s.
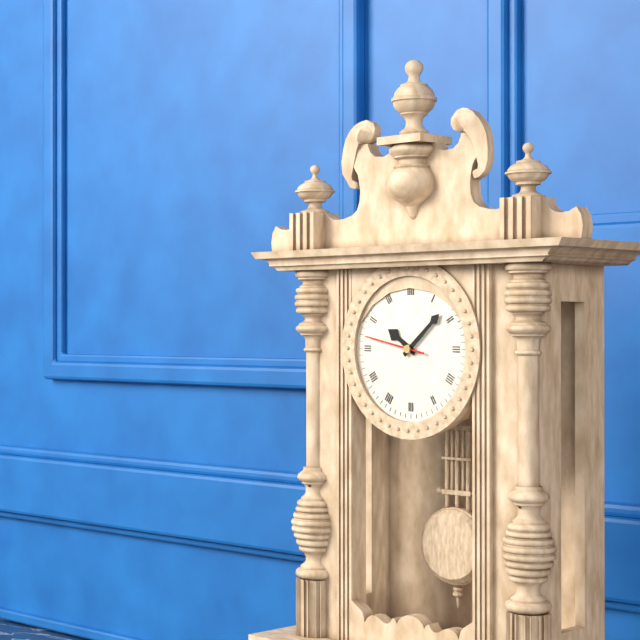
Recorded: 10 h 08 min 47 s
